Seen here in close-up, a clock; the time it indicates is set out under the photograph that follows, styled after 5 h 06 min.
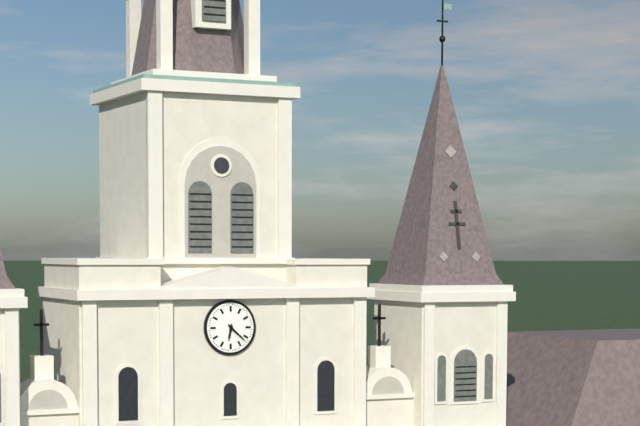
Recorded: 6 h 22 min
